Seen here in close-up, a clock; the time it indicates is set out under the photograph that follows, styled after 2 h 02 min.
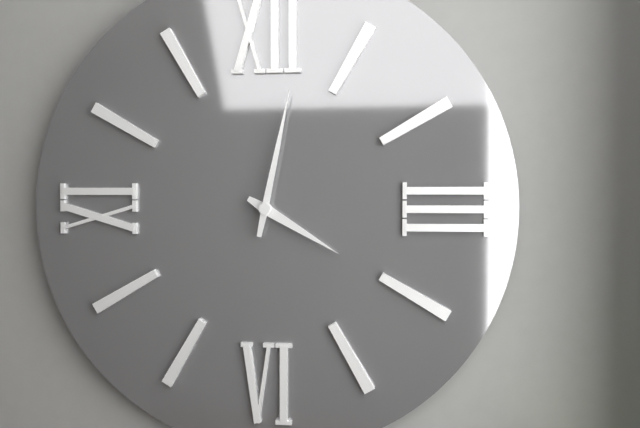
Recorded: 4 h 02 min
